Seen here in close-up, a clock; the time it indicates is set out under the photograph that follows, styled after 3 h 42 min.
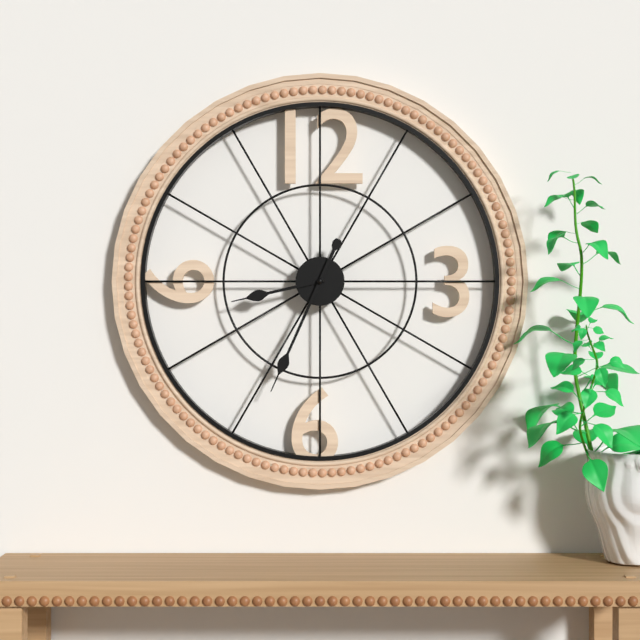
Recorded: 8 h 34 min
